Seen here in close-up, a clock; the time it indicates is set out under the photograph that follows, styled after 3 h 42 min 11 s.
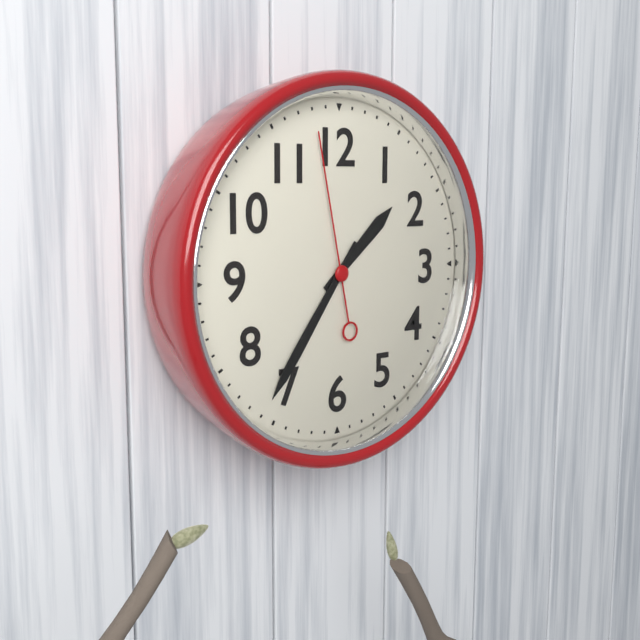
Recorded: 1 h 36 min 58 s
